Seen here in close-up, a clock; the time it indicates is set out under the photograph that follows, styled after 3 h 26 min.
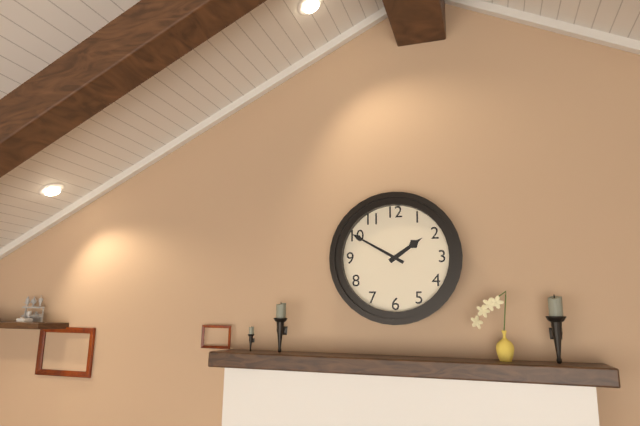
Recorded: 1 h 50 min
